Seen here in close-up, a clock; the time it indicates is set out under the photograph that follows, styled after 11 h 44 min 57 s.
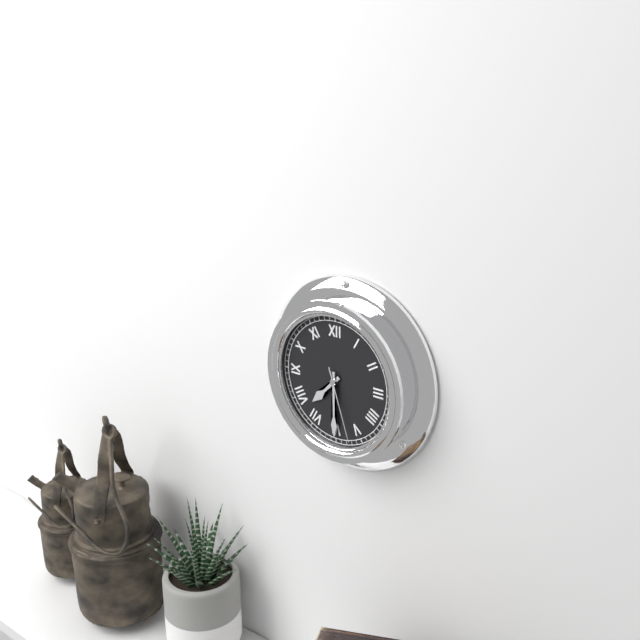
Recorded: 7 h 30 min 27 s
